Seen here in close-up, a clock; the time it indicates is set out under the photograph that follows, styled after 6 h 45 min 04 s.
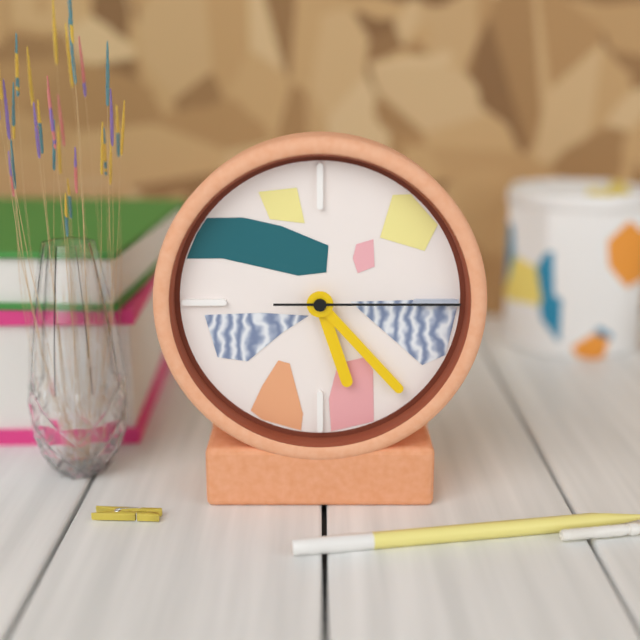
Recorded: 5 h 23 min 15 s
